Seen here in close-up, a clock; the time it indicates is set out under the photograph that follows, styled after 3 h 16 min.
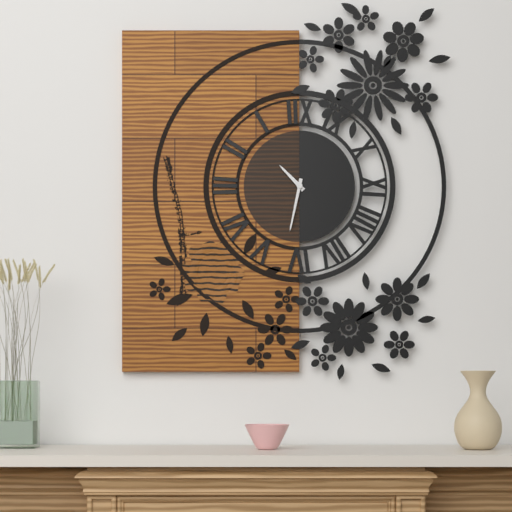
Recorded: 10 h 32 min
